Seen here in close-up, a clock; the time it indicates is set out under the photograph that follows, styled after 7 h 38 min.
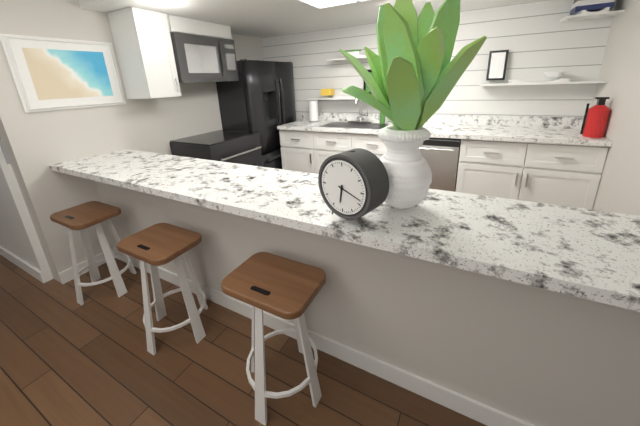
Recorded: 6 h 18 min
